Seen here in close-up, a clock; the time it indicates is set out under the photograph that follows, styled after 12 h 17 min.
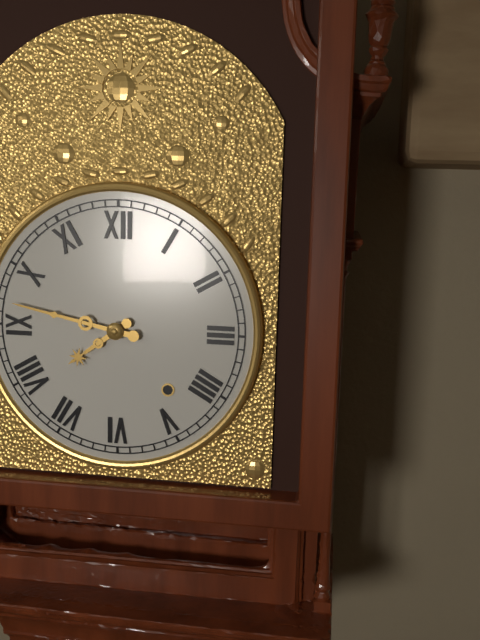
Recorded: 7 h 47 min
